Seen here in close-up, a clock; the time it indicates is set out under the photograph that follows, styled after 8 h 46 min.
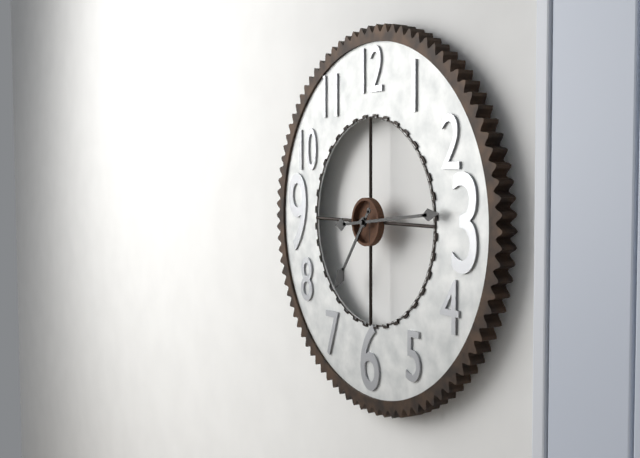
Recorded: 7 h 14 min
